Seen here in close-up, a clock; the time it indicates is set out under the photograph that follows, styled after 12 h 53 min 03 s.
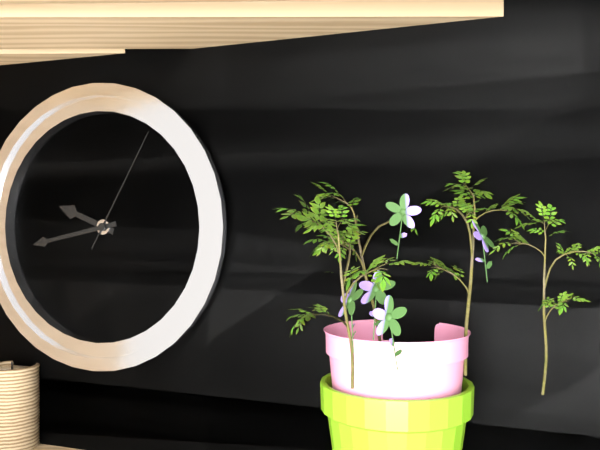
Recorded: 9 h 43 min 05 s
